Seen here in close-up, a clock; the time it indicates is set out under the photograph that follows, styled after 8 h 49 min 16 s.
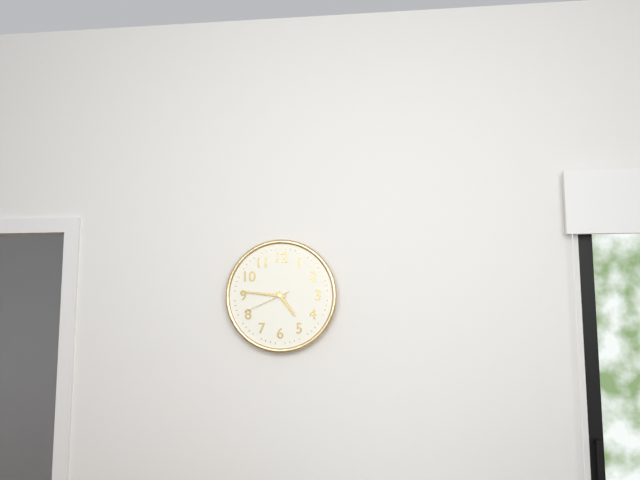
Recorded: 4 h 46 min 41 s
